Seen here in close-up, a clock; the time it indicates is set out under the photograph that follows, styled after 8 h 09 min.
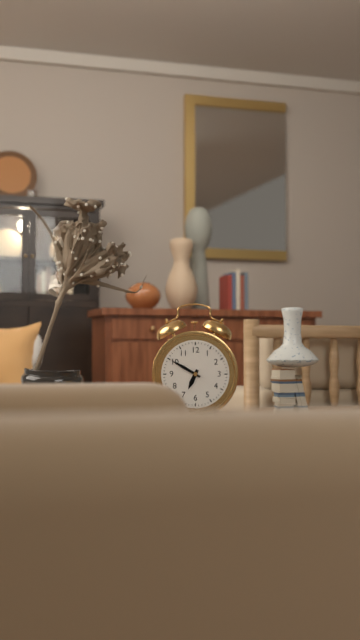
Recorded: 6 h 50 min
